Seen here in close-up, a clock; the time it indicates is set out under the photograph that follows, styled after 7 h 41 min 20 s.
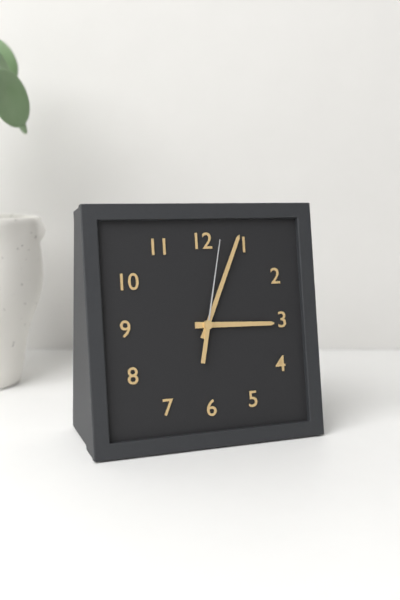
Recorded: 3 h 04 min 02 s
